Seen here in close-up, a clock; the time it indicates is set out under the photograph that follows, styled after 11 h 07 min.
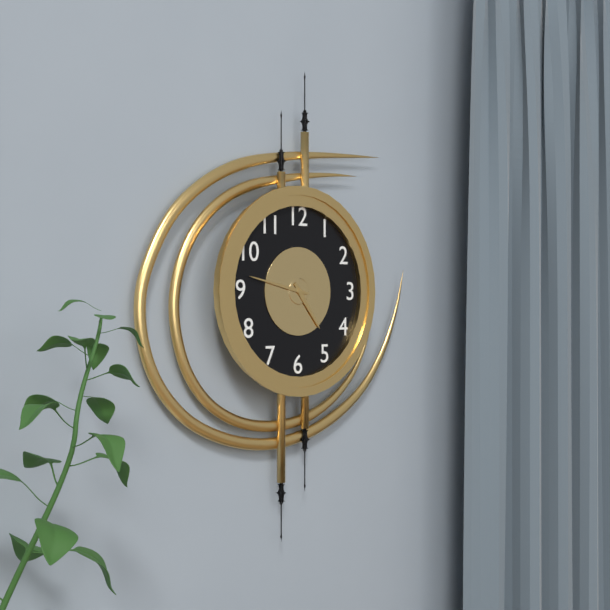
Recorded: 4 h 47 min
